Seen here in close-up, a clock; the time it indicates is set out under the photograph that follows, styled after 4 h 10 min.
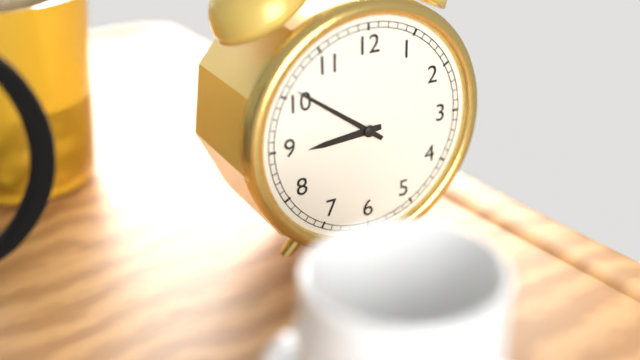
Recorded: 8 h 51 min
